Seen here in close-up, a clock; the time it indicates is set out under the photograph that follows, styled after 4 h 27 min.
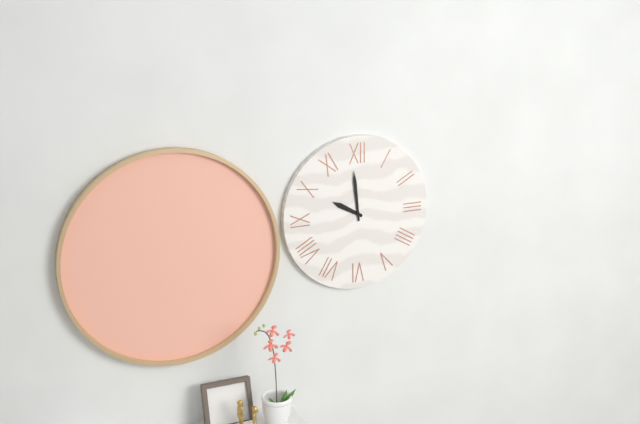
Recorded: 9 h 59 min
